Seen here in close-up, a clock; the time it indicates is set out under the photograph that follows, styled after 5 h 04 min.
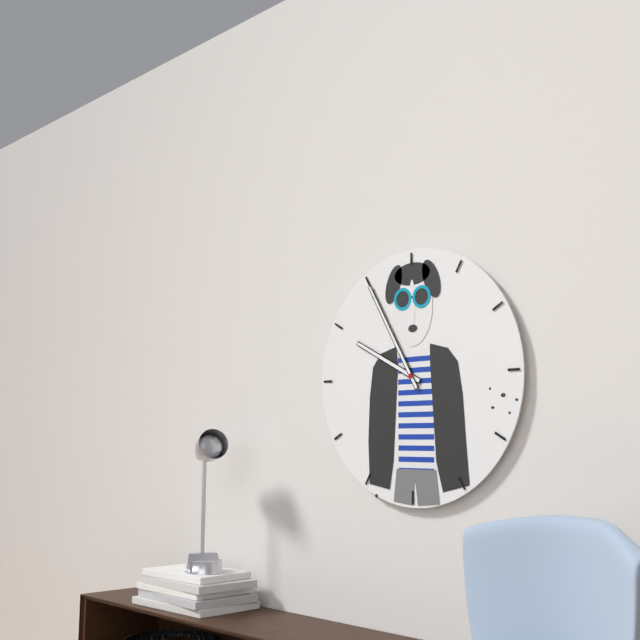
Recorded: 9 h 55 min
